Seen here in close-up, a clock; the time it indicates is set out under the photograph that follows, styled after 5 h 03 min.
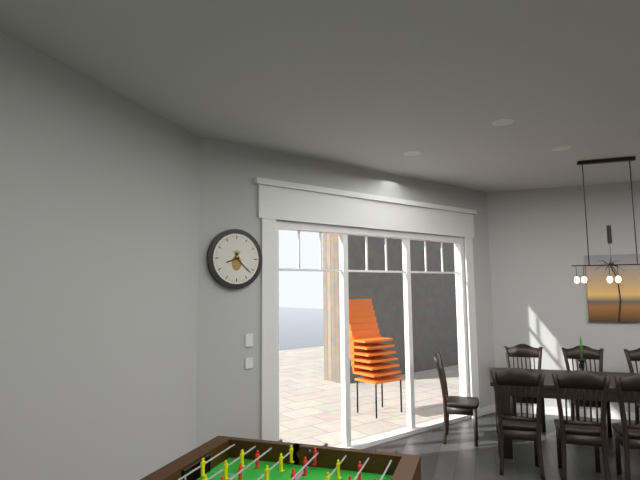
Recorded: 8 h 22 min
